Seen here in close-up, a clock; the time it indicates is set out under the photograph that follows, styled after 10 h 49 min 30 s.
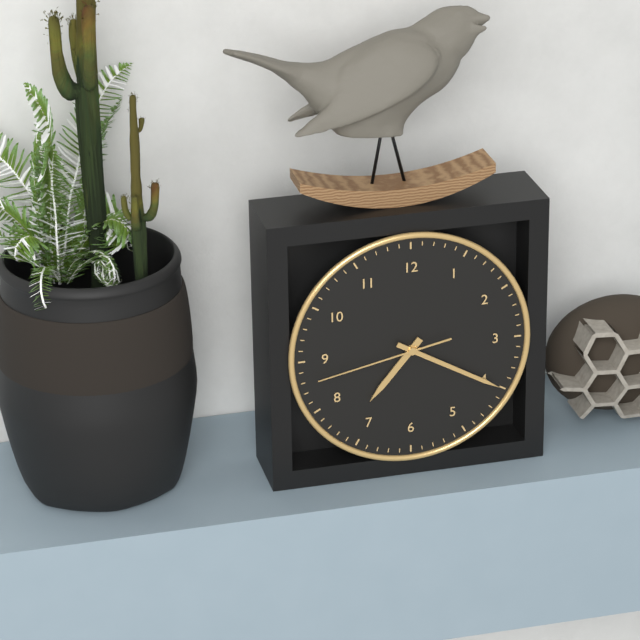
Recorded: 7 h 20 min 43 s
